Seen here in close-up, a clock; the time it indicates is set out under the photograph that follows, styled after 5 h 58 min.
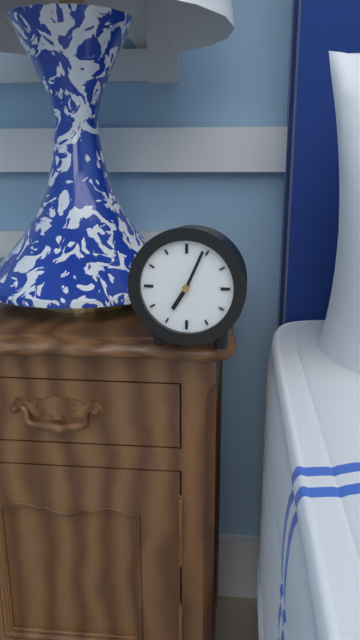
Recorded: 7 h 04 min
